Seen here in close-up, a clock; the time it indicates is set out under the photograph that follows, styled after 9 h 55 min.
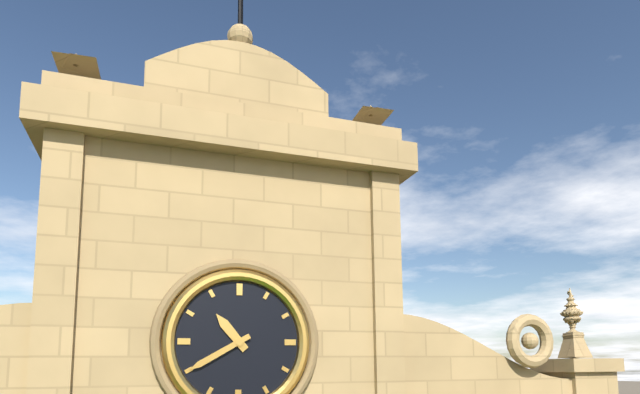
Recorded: 10 h 40 min
